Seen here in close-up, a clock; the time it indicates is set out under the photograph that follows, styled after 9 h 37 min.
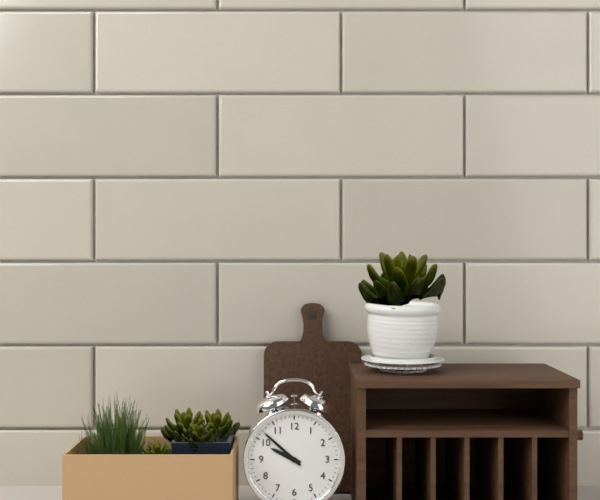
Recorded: 9 h 52 min
